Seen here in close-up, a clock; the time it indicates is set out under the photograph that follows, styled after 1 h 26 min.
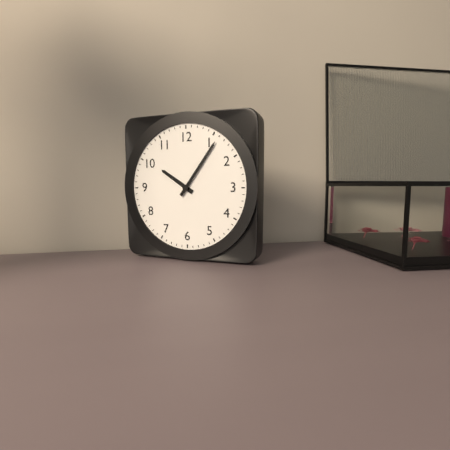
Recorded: 10 h 06 min
